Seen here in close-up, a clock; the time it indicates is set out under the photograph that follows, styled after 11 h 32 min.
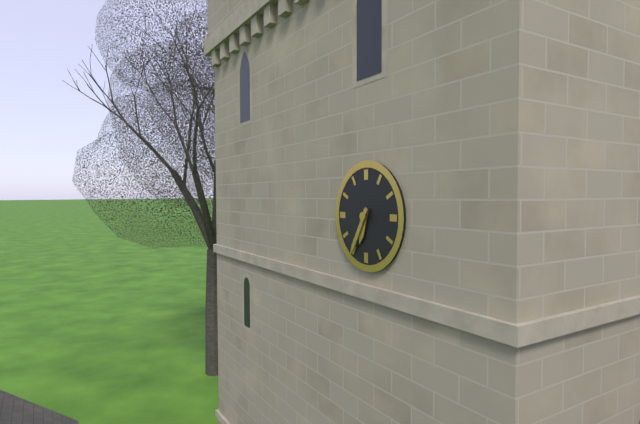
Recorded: 6 h 35 min
